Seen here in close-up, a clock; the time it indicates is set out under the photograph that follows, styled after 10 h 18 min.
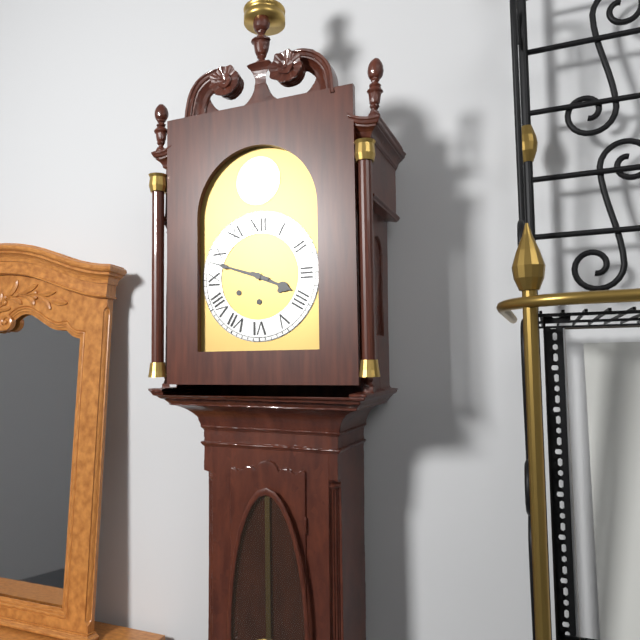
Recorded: 3 h 48 min
